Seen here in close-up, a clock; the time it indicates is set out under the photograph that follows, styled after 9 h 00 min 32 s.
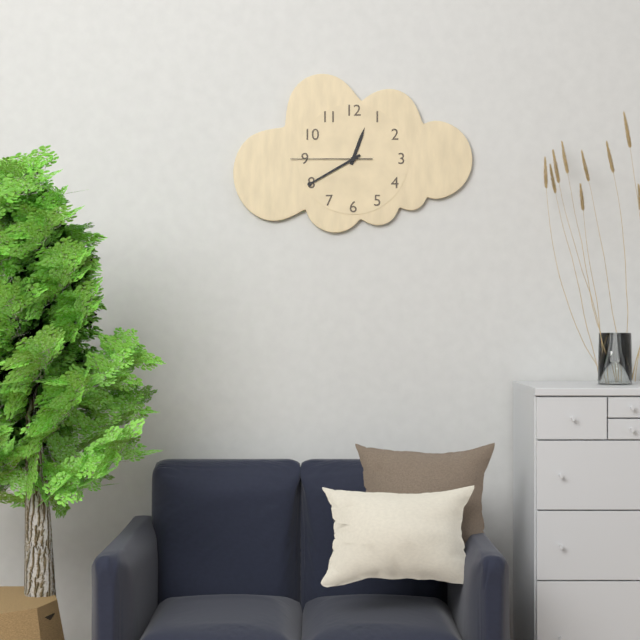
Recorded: 12 h 40 min 45 s
